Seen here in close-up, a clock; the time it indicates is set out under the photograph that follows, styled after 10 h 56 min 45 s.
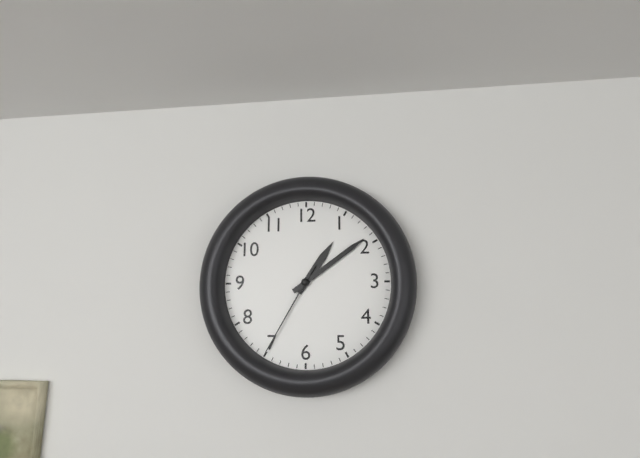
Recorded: 1 h 09 min 35 s
